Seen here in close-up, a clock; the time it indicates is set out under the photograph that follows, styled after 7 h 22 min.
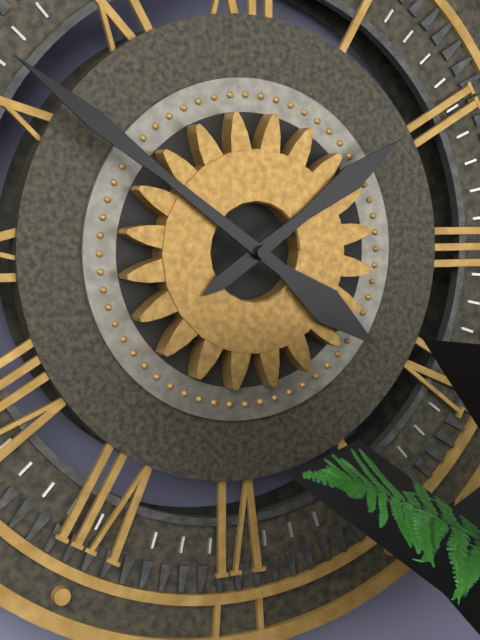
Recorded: 1 h 51 min
